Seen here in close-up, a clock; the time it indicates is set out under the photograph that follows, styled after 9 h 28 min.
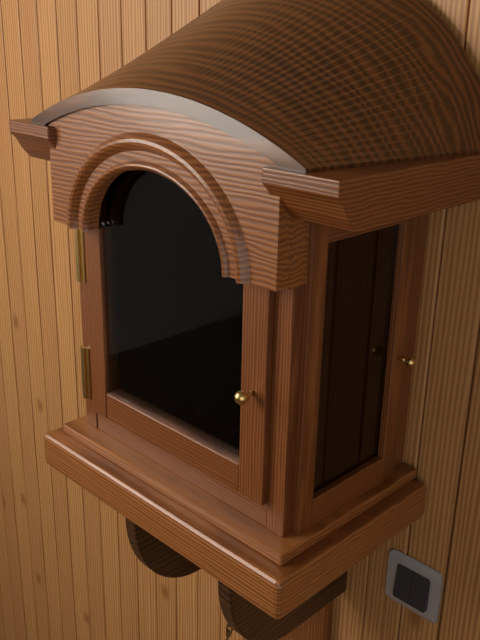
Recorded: 6 h 09 min
